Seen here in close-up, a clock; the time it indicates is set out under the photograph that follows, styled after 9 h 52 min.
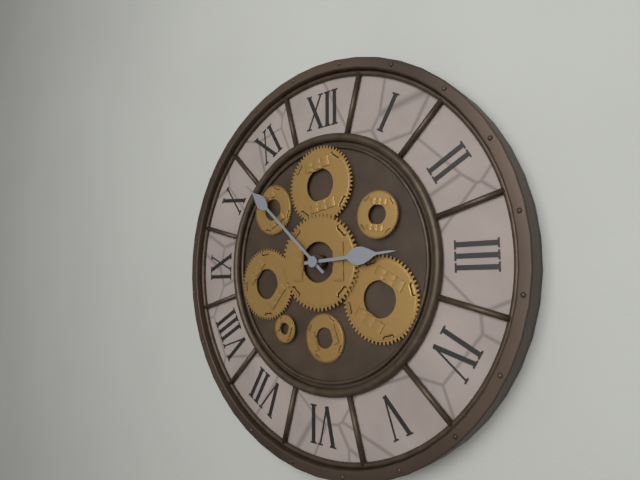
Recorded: 2 h 52 min
